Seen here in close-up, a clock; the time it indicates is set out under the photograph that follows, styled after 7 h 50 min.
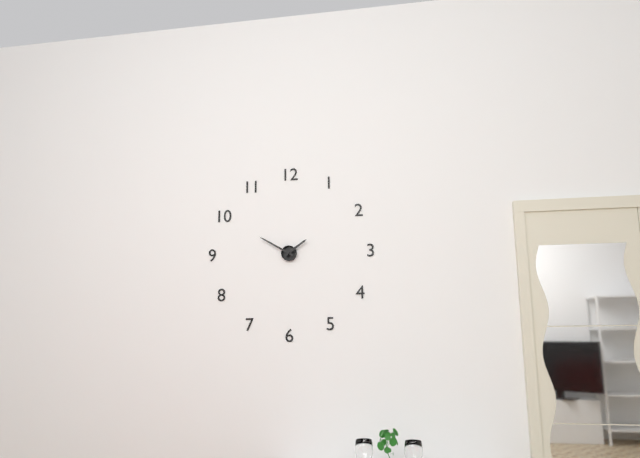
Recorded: 1 h 50 min
